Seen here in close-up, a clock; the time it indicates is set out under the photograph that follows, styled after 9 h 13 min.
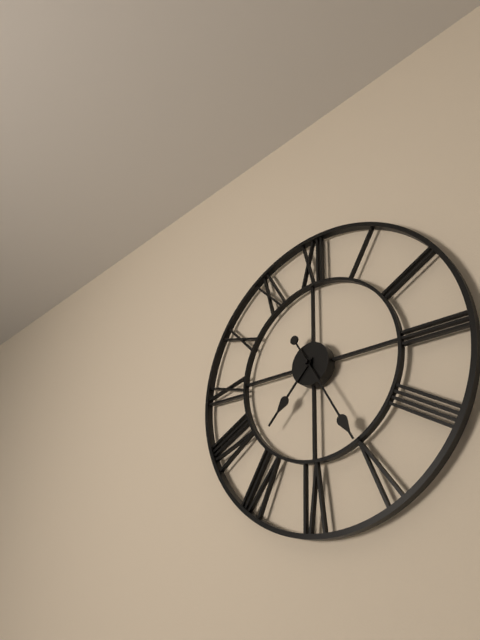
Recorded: 7 h 25 min
